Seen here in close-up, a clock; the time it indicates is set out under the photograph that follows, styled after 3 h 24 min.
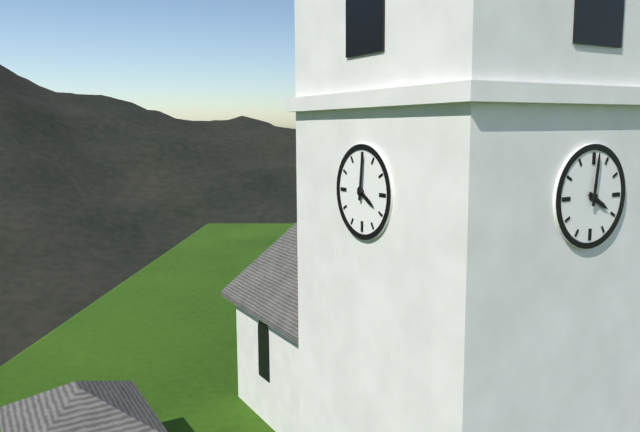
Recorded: 4 h 01 min
